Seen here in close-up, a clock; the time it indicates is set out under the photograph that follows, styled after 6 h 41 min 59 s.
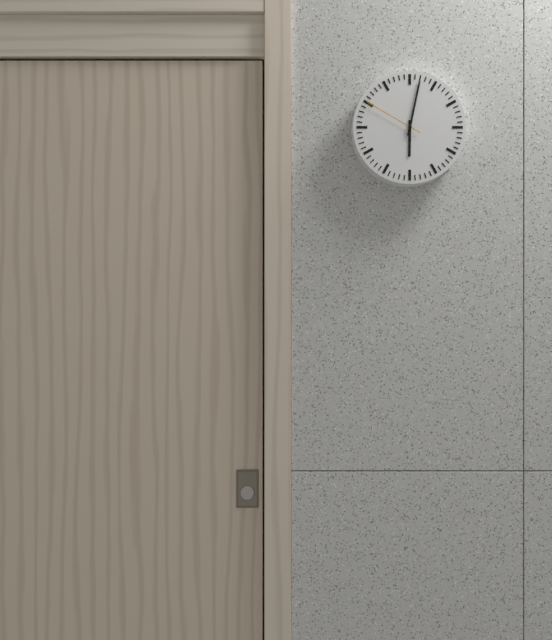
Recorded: 6 h 02 min 50 s
